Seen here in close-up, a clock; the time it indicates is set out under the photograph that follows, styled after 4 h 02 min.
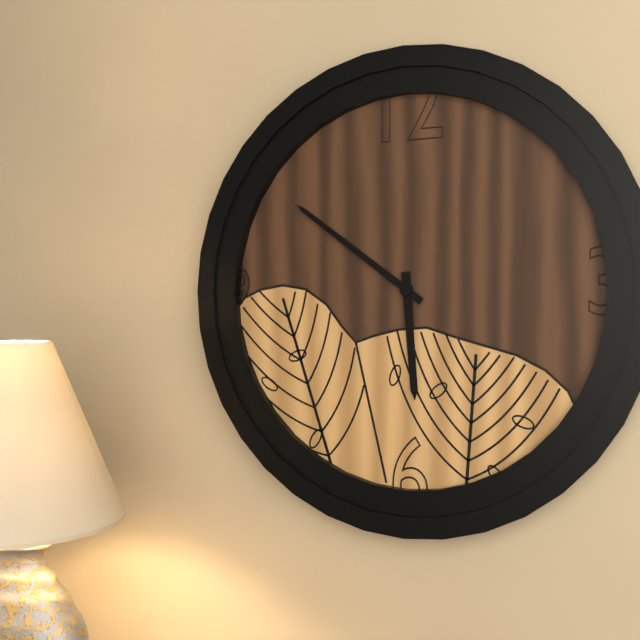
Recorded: 5 h 51 min
